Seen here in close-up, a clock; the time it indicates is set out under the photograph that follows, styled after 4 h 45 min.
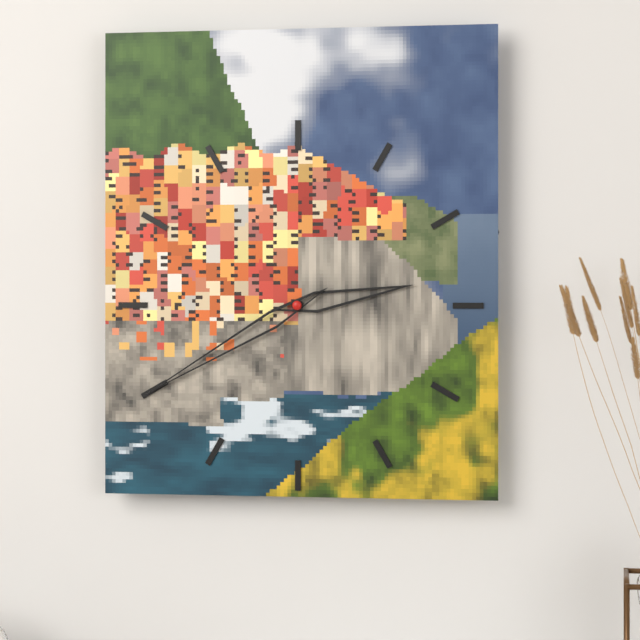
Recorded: 2 h 40 min
